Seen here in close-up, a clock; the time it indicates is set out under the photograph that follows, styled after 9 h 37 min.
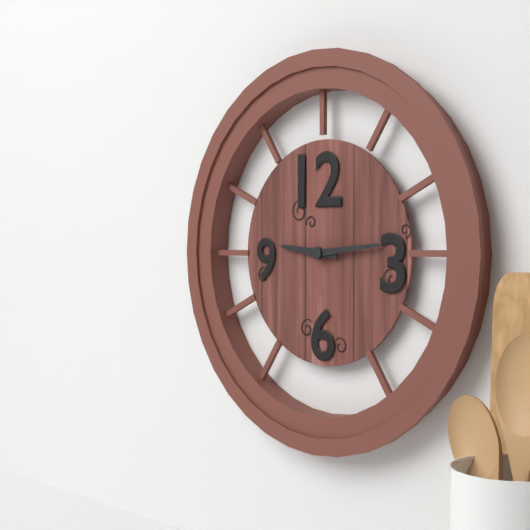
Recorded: 9 h 14 min
